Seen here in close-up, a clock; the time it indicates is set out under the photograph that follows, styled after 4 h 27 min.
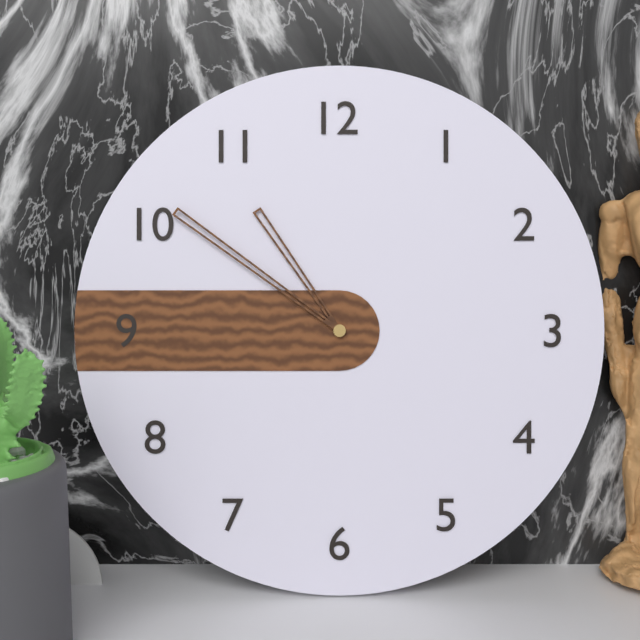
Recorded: 10 h 51 min
